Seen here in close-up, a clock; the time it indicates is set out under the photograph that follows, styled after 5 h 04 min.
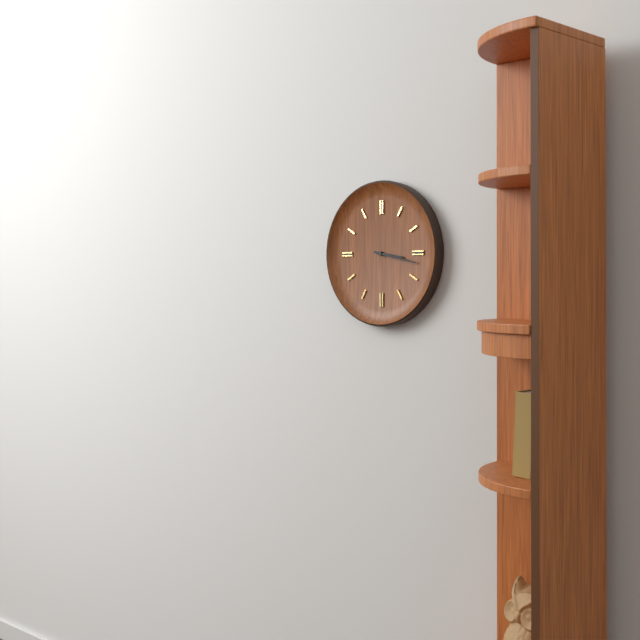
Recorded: 3 h 17 min
